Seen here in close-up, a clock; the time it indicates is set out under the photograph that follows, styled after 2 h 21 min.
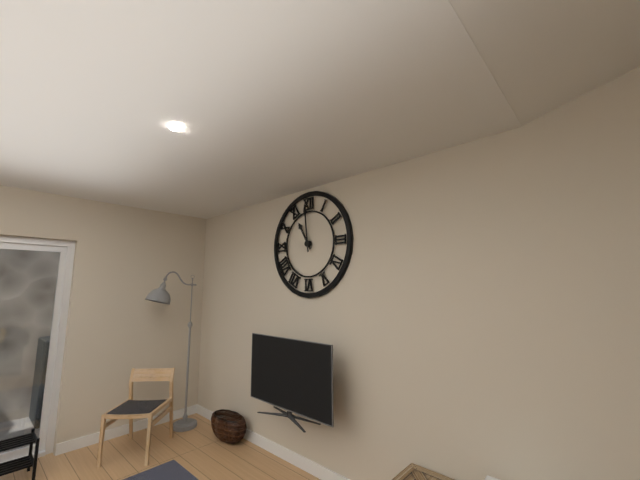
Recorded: 10 h 59 min
